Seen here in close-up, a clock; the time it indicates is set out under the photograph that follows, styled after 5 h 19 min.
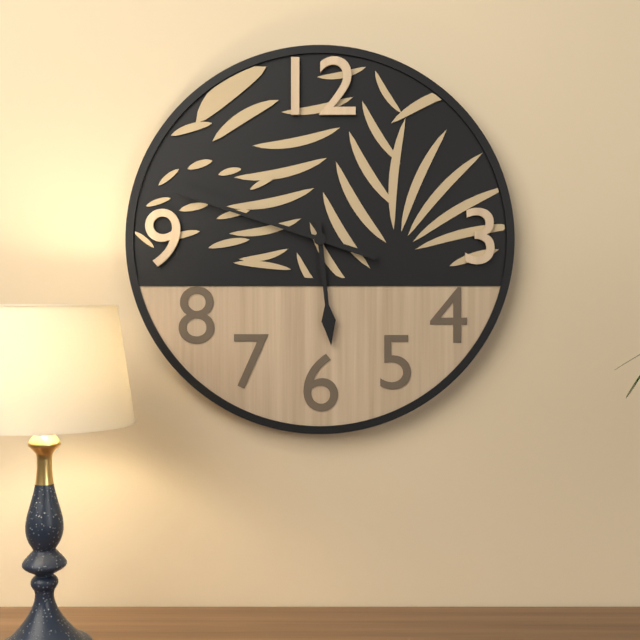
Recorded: 5 h 48 min
